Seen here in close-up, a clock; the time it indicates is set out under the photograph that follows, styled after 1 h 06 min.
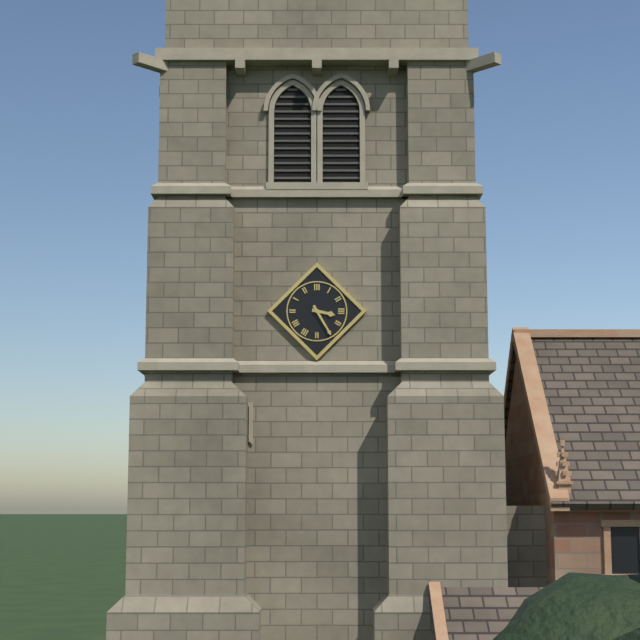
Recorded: 3 h 25 min
